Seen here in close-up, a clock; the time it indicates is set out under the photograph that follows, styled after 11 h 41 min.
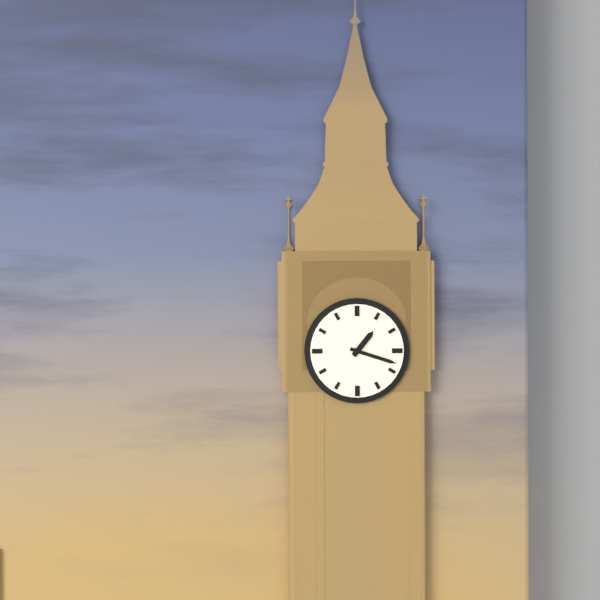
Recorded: 1 h 18 min
